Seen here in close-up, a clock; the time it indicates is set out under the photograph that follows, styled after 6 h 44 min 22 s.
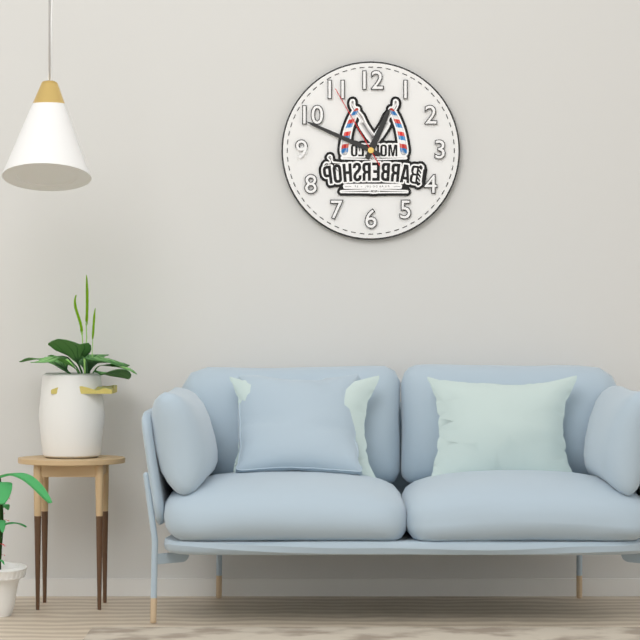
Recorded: 12 h 49 min 55 s
